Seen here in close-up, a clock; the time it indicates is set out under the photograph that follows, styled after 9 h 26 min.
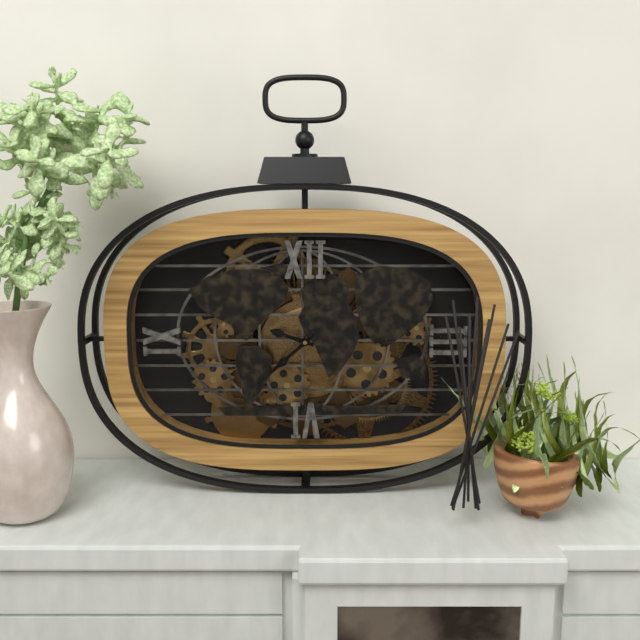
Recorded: 9 h 38 min
